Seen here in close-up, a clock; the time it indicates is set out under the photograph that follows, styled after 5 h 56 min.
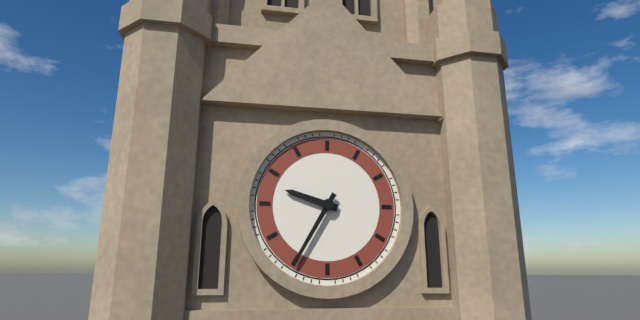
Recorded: 9 h 35 min
